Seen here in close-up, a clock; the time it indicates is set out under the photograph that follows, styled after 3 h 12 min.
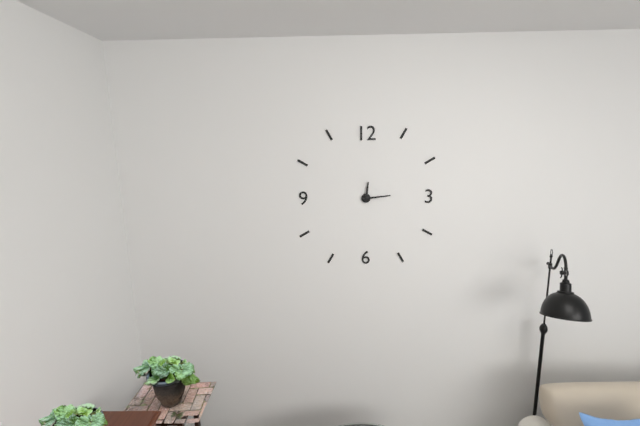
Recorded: 12 h 14 min
